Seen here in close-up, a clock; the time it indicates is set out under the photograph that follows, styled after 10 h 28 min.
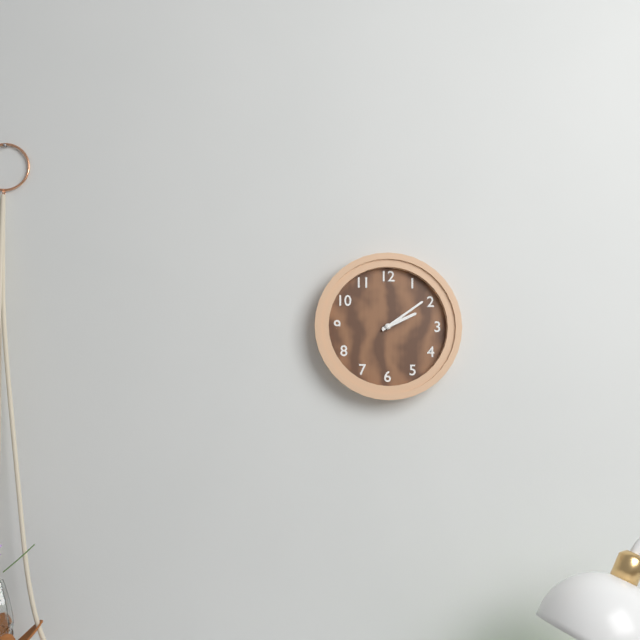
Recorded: 2 h 09 min
